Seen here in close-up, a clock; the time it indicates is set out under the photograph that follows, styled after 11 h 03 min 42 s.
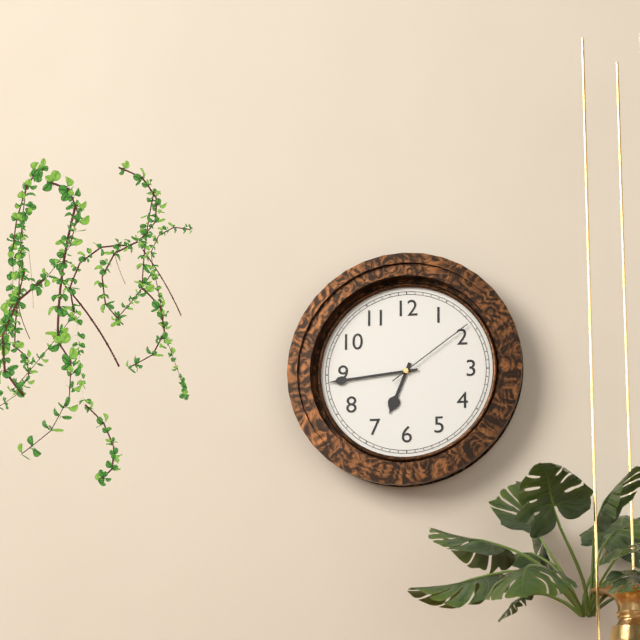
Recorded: 6 h 44 min 09 s
